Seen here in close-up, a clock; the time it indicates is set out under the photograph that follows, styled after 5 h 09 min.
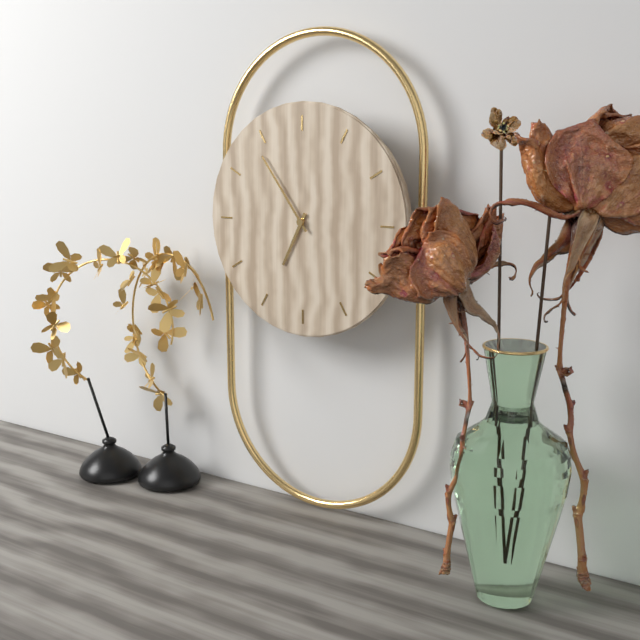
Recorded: 6 h 54 min
